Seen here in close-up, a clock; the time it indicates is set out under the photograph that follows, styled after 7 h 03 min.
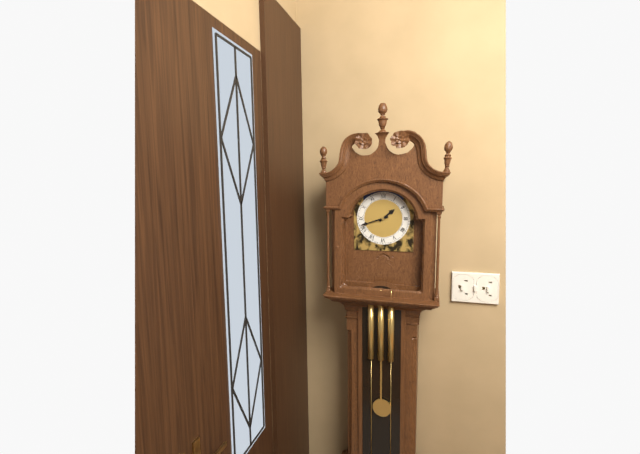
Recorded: 1 h 42 min
